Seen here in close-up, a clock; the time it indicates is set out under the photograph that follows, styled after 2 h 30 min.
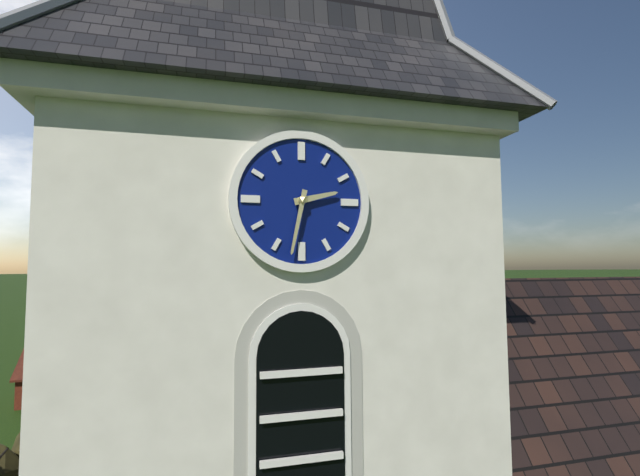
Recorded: 2 h 32 min
